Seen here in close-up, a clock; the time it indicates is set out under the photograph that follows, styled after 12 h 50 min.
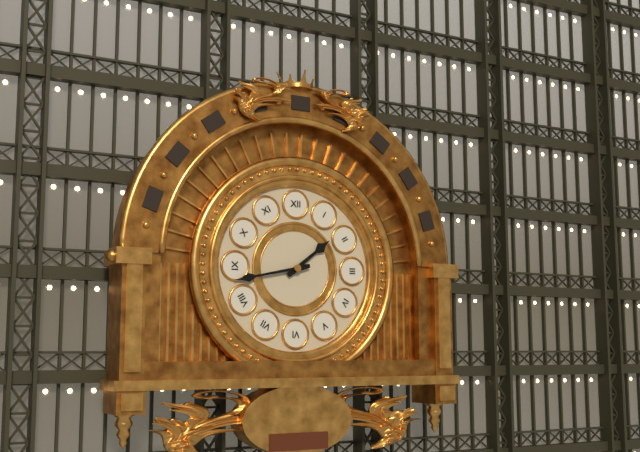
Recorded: 1 h 43 min
